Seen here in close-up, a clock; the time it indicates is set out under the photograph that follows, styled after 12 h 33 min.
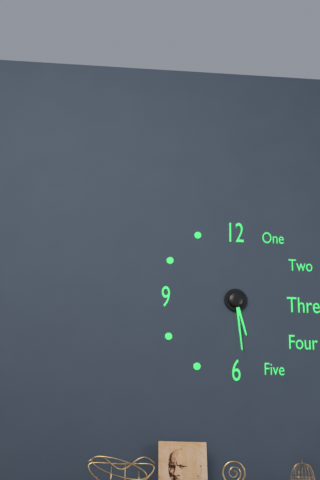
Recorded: 5 h 29 min
